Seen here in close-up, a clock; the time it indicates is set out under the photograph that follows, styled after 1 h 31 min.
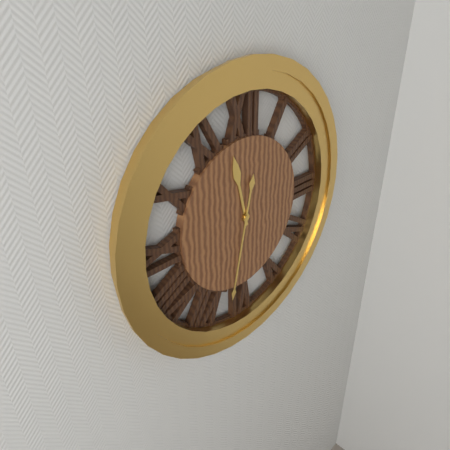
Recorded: 11 h 32 min
